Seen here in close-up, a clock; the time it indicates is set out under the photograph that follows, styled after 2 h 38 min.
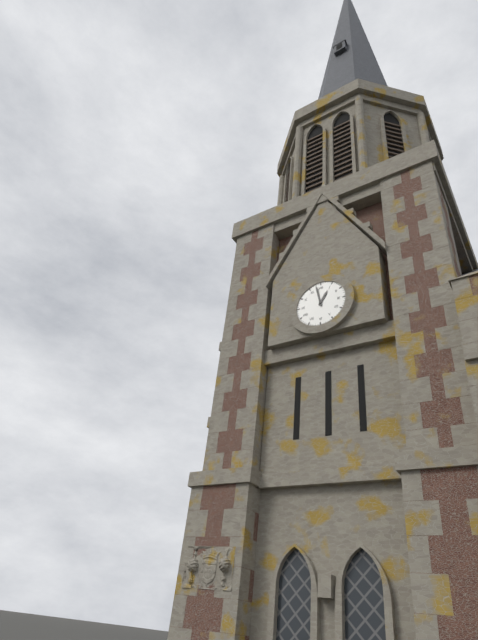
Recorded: 12 h 58 min
